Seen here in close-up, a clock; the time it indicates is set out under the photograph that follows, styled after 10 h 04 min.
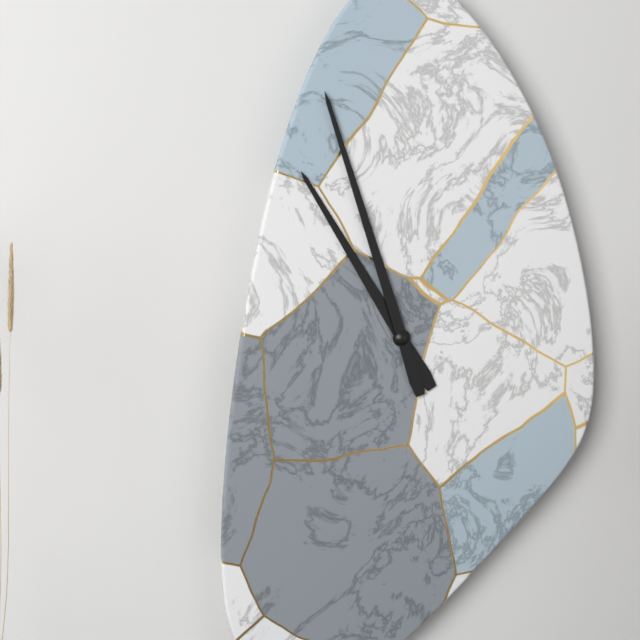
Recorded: 10 h 57 min
